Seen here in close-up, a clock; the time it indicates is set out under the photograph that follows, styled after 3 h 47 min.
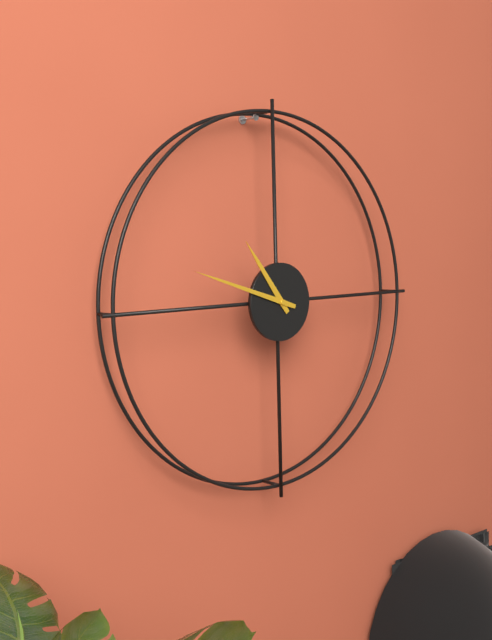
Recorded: 10 h 48 min
